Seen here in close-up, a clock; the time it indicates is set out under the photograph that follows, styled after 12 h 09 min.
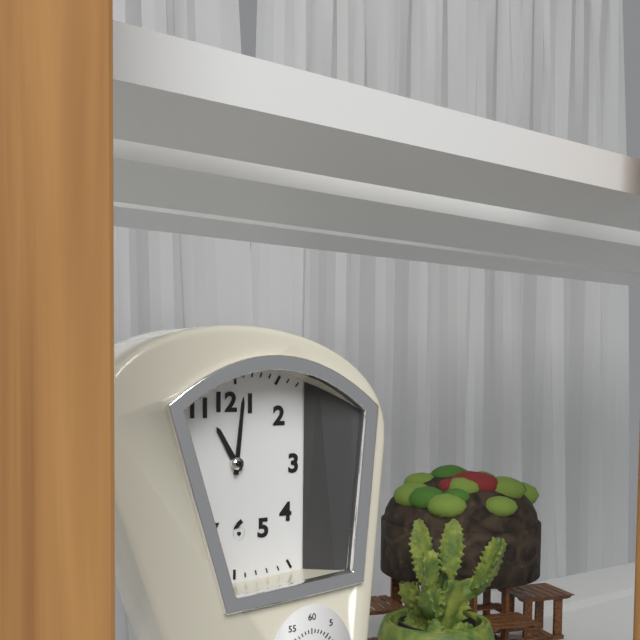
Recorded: 11 h 01 min
